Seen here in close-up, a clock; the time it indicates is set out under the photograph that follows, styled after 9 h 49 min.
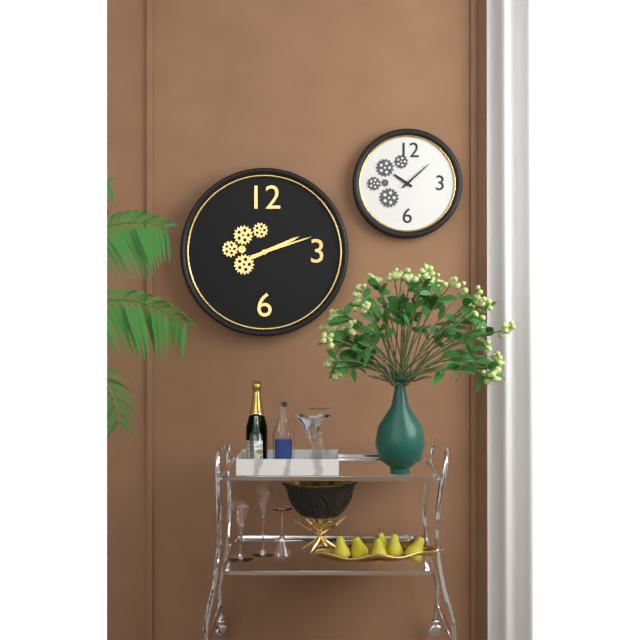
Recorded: 2 h 12 min
